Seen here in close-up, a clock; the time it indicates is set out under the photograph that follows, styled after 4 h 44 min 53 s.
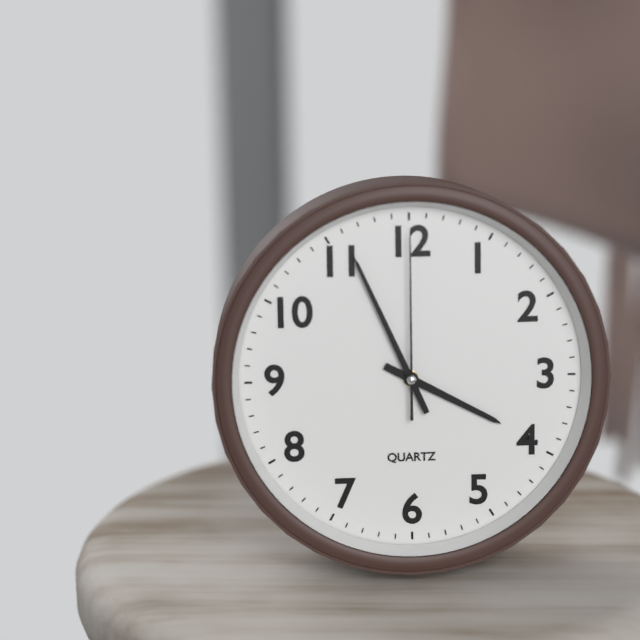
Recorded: 3 h 56 min 00 s
